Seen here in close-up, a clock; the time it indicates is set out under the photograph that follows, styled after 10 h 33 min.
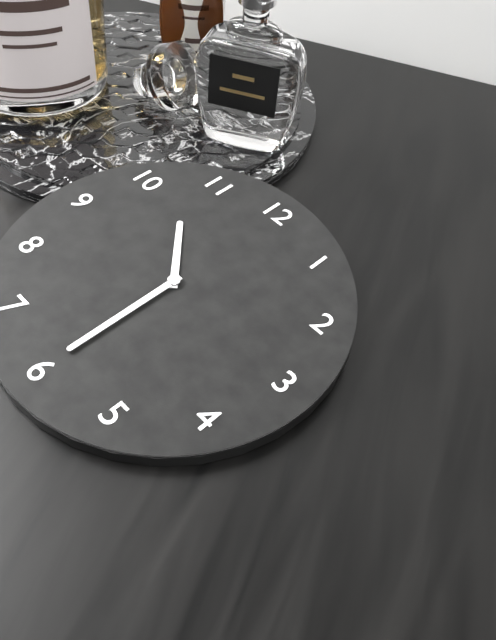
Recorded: 10 h 30 min
